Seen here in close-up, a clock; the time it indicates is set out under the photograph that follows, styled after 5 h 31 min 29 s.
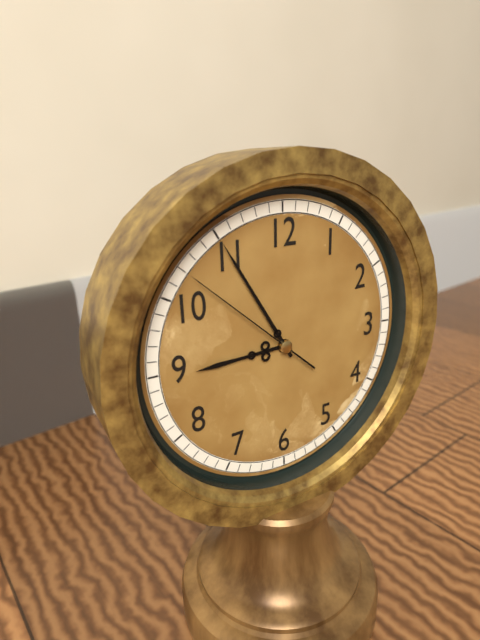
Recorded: 8 h 55 min 52 s
